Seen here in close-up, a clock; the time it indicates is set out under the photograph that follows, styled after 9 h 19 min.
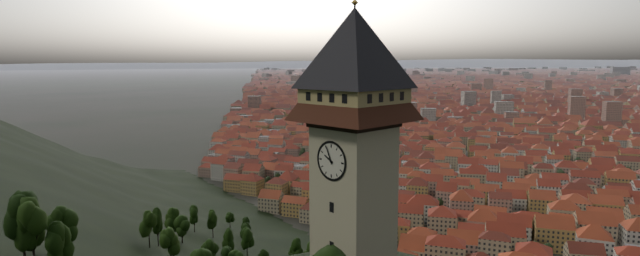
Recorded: 9 h 56 min
